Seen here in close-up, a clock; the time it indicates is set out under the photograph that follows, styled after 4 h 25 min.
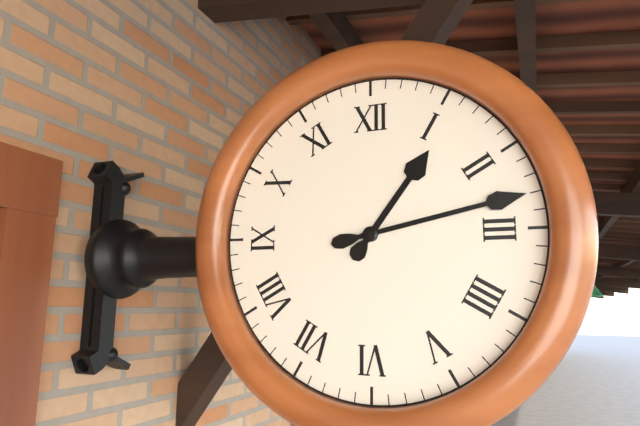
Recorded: 1 h 13 min
